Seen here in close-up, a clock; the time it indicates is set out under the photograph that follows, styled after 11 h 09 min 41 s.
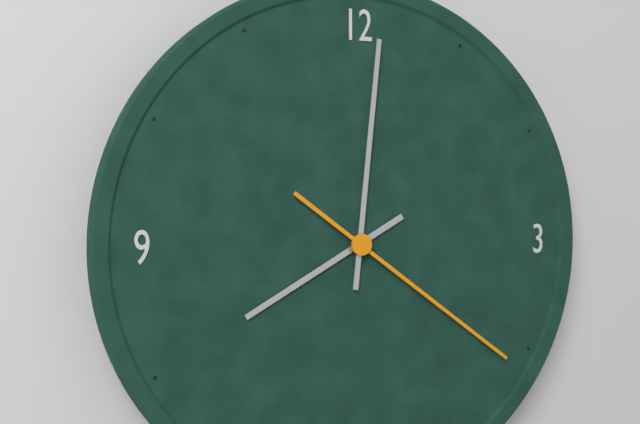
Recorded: 8 h 01 min 21 s
